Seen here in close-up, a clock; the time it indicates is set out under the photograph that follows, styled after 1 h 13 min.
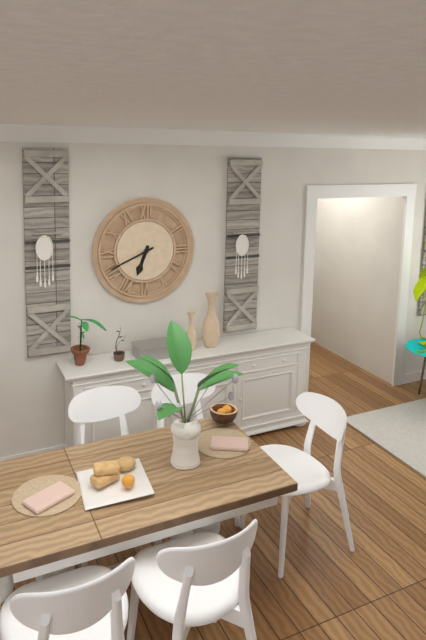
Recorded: 6 h 41 min
